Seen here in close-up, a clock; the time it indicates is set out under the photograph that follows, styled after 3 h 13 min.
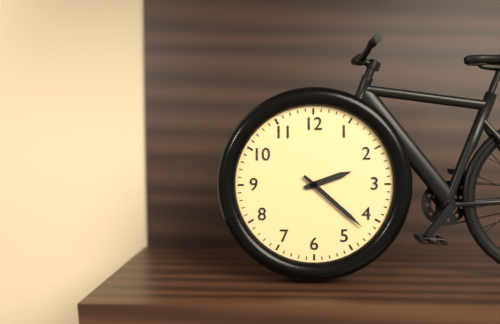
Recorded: 2 h 22 min
